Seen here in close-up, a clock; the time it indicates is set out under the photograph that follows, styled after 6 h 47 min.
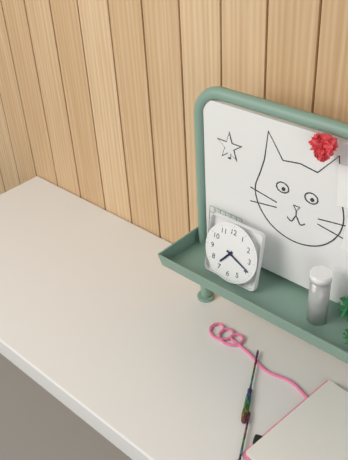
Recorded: 7 h 19 min
